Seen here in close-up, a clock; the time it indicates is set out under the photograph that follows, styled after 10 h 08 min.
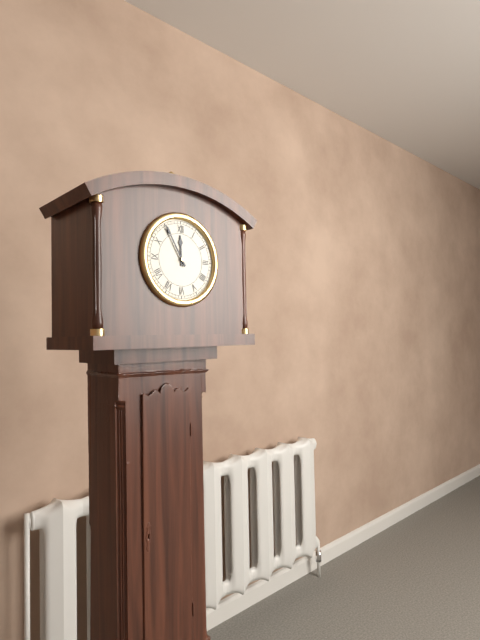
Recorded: 11 h 55 min
